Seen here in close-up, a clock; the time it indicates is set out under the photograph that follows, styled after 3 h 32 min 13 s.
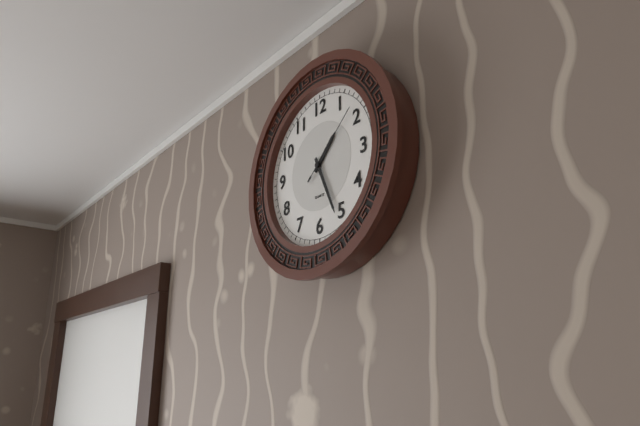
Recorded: 1 h 26 min 08 s
